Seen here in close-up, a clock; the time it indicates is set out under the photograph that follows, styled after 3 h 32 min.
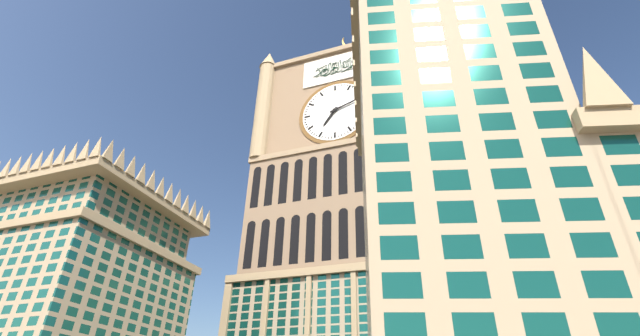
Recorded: 7 h 12 min
